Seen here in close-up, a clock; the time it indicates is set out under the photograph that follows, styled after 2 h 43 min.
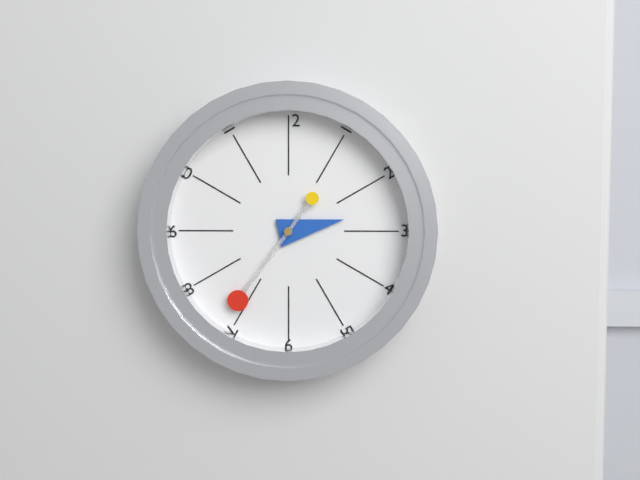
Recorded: 2 h 36 min
